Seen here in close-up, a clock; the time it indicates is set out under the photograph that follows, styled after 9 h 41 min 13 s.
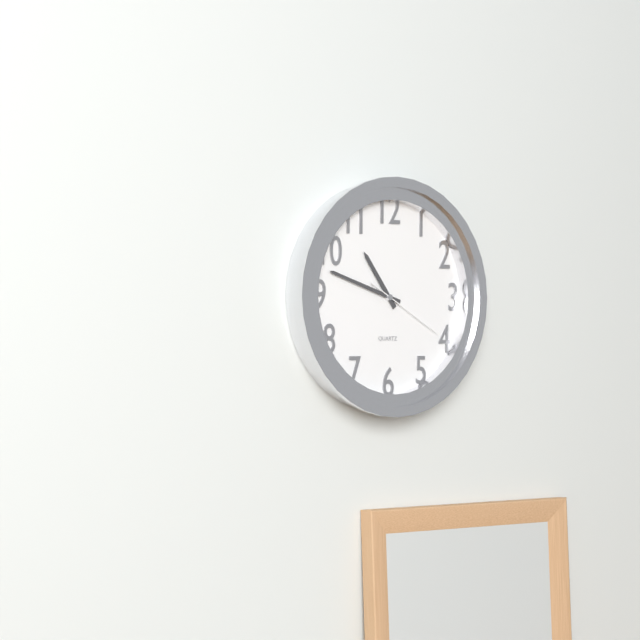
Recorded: 10 h 48 min 20 s
